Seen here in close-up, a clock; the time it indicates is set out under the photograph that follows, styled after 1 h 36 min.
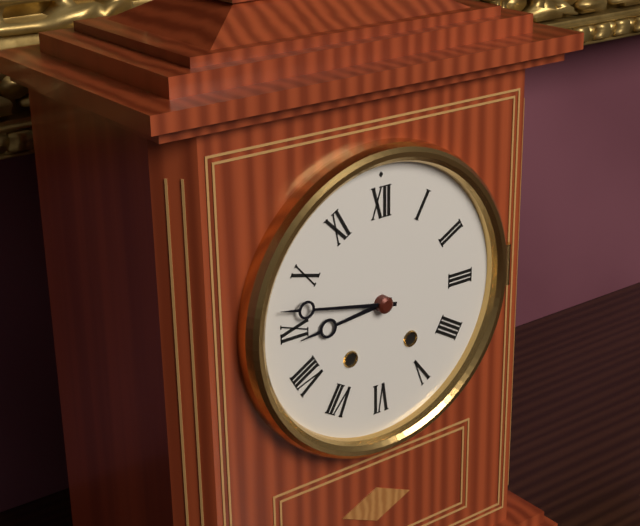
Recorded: 8 h 47 min
